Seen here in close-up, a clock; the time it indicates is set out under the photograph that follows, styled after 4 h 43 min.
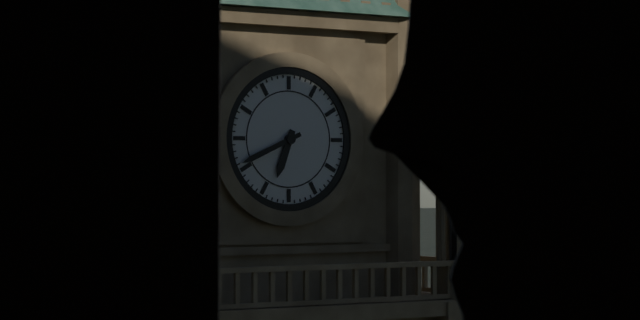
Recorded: 6 h 41 min
